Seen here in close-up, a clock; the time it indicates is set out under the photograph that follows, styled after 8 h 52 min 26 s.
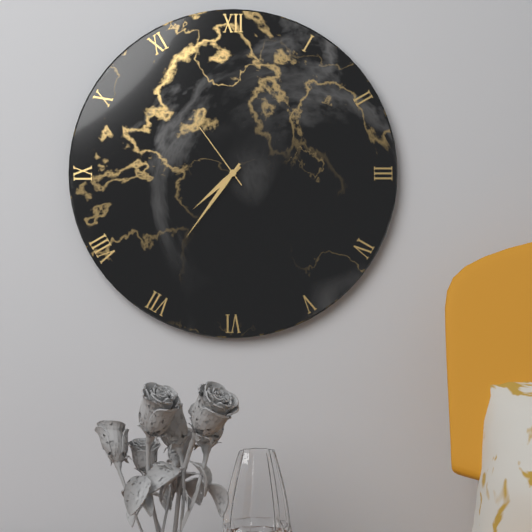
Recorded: 7 h 36 min 54 s
